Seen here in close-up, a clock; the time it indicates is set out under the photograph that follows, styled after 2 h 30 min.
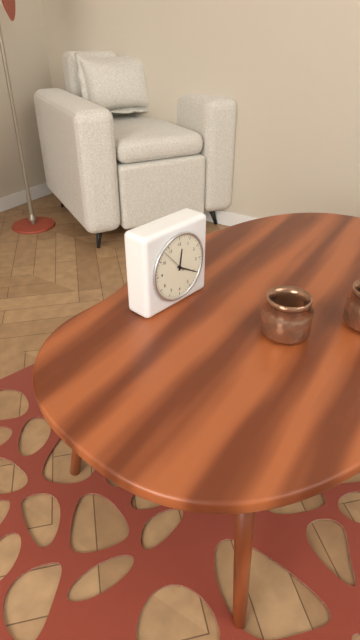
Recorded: 12 h 20 min
